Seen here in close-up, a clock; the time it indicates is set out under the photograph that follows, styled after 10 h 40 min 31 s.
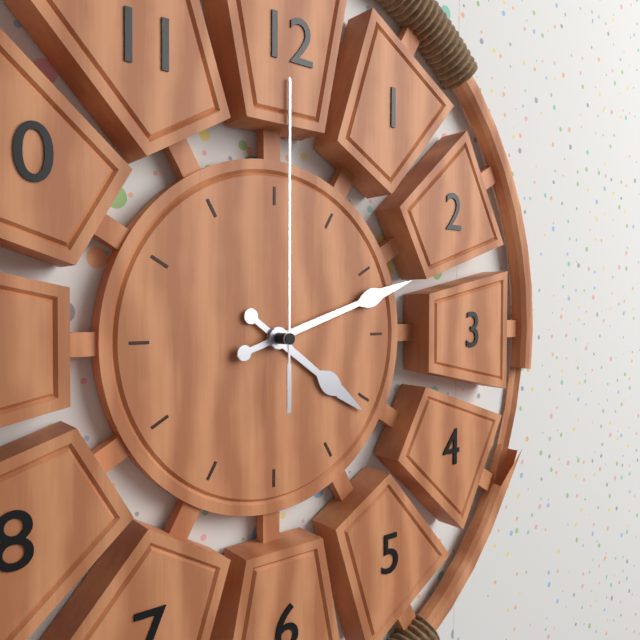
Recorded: 4 h 12 min 00 s
